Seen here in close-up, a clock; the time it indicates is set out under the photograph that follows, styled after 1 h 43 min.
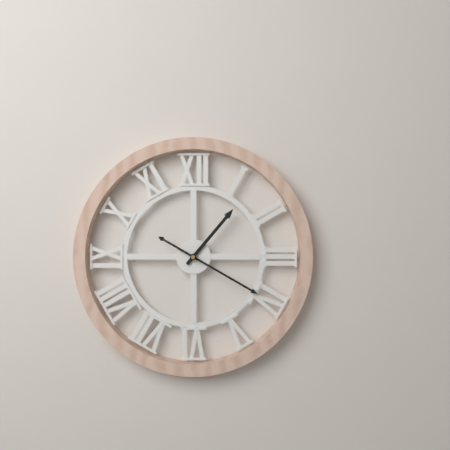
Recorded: 1 h 20 min
